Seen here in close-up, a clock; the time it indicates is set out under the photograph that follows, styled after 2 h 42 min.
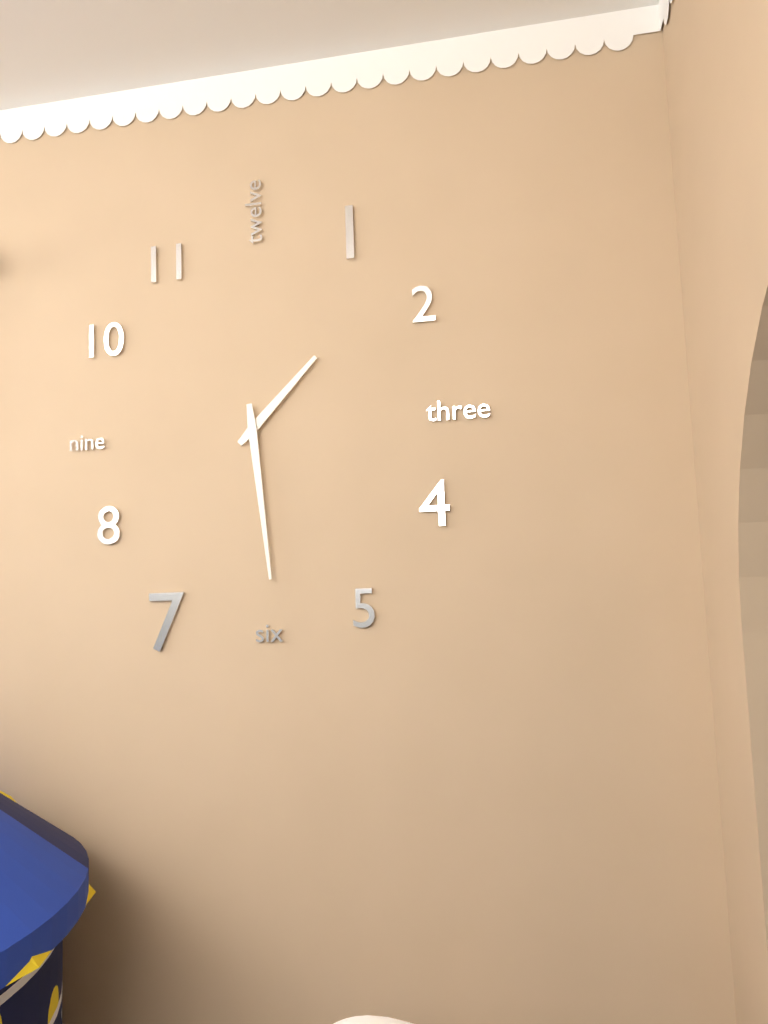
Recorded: 1 h 29 min
